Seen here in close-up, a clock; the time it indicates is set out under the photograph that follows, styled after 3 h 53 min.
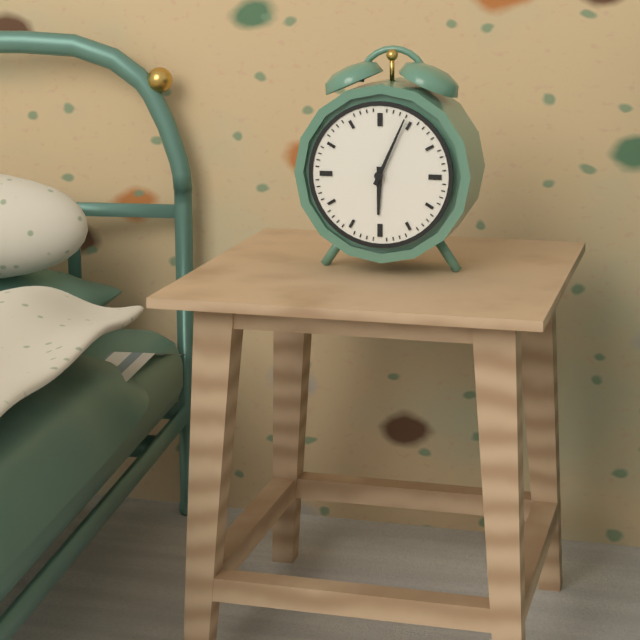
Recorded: 6 h 04 min
